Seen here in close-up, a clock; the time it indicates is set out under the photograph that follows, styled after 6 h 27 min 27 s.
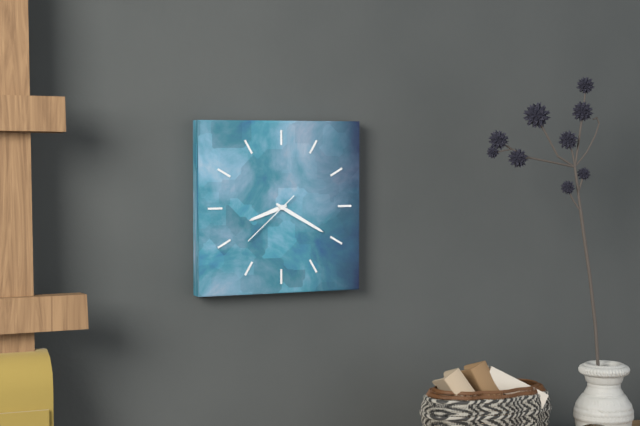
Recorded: 8 h 20 min 38 s
